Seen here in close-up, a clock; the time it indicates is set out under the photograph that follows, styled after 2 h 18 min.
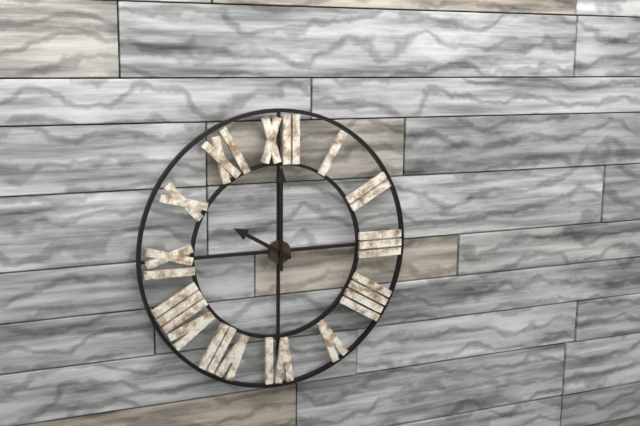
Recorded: 10 h 00 min
